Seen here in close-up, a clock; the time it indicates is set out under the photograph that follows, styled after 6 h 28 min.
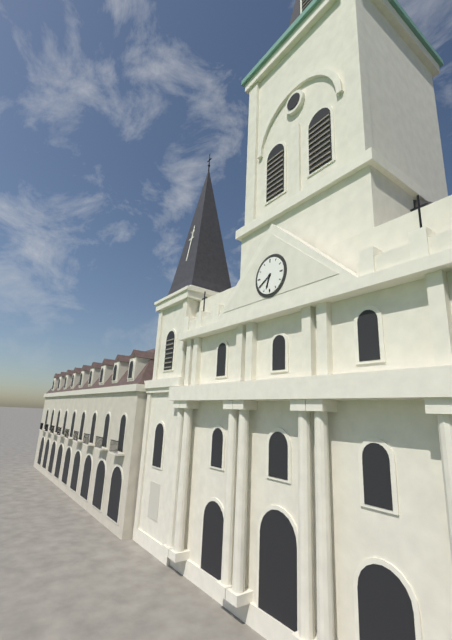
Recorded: 6 h 40 min
